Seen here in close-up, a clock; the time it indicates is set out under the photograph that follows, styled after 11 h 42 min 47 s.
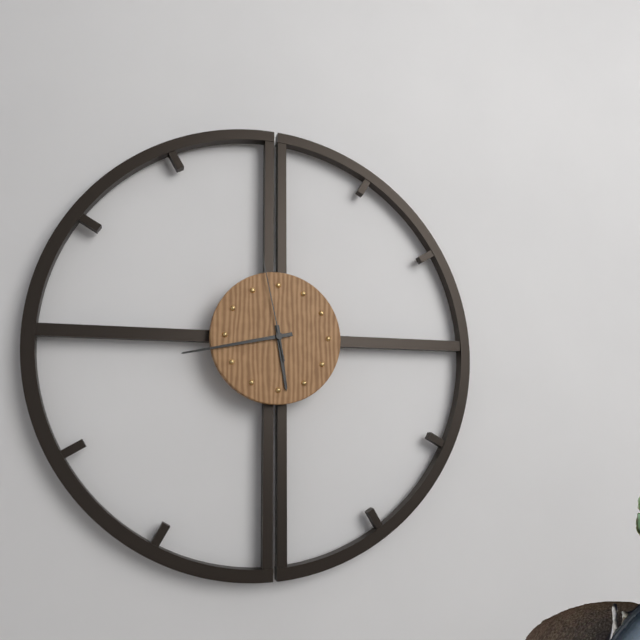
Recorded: 5 h 43 min 58 s
